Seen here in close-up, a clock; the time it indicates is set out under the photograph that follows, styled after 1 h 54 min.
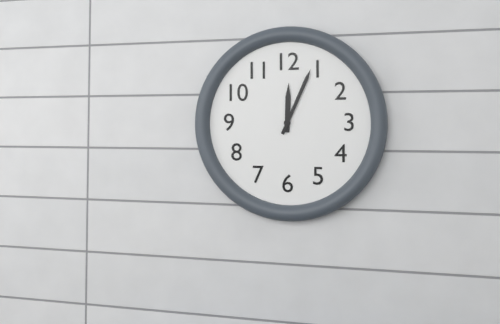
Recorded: 12 h 04 min
